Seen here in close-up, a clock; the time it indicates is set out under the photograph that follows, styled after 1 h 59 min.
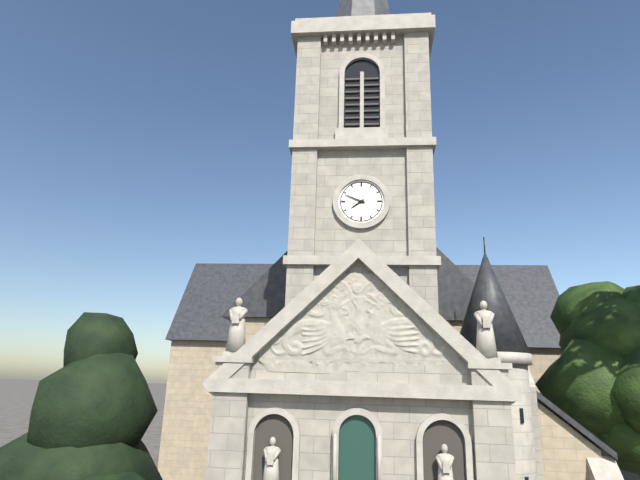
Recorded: 7 h 49 min
